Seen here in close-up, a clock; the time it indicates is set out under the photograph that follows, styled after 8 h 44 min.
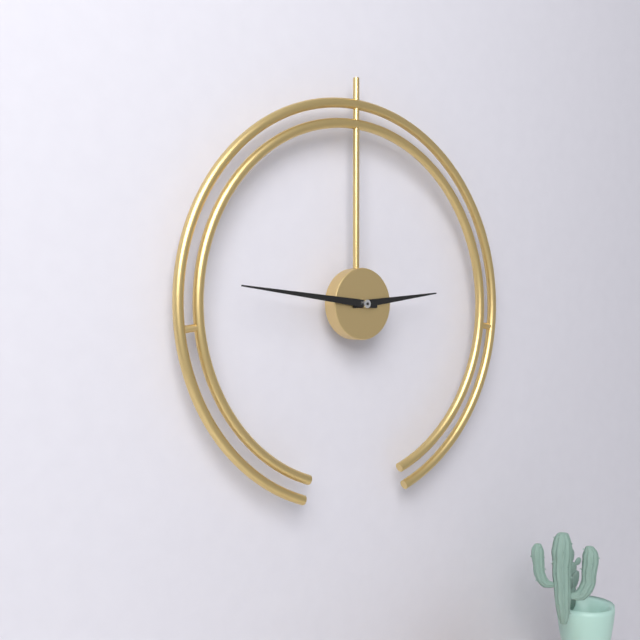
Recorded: 2 h 46 min
